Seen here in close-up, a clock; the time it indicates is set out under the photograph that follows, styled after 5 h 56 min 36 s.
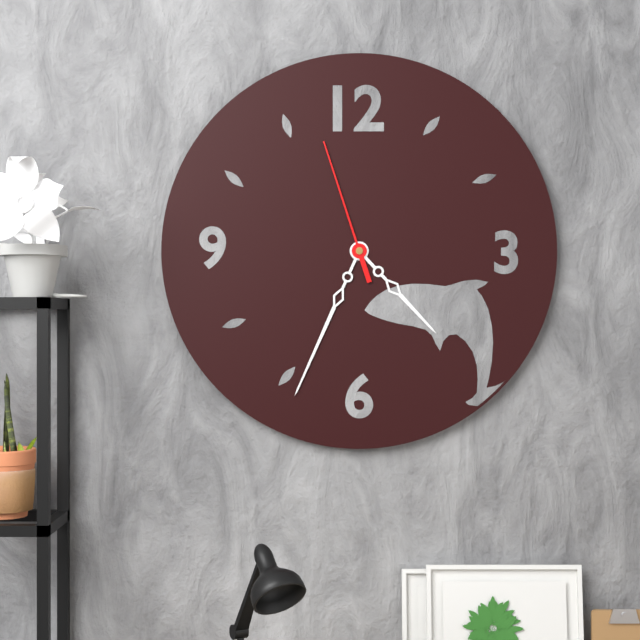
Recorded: 4 h 34 min 57 s
